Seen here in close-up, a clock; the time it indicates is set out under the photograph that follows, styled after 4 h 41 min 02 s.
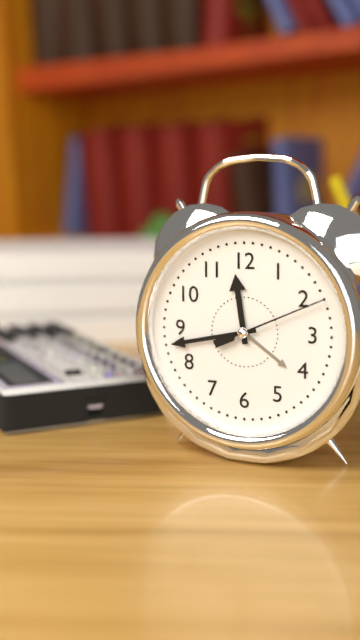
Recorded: 11 h 43 min 11 s
